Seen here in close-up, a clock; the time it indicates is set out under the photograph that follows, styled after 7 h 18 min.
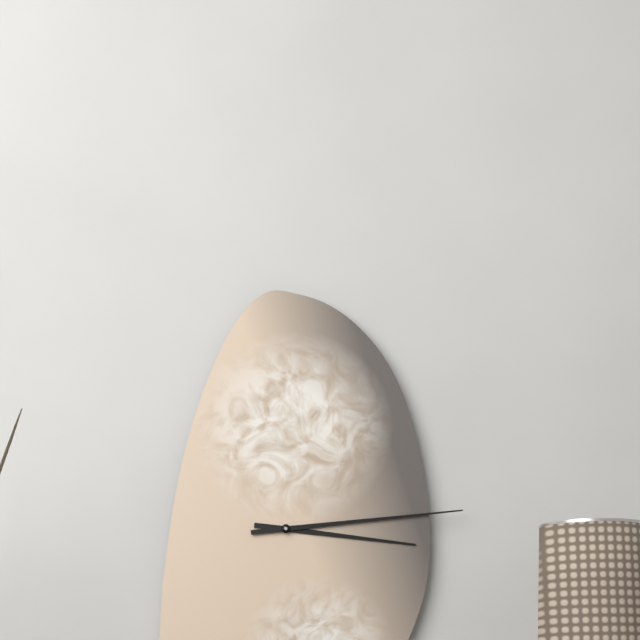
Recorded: 3 h 14 min
